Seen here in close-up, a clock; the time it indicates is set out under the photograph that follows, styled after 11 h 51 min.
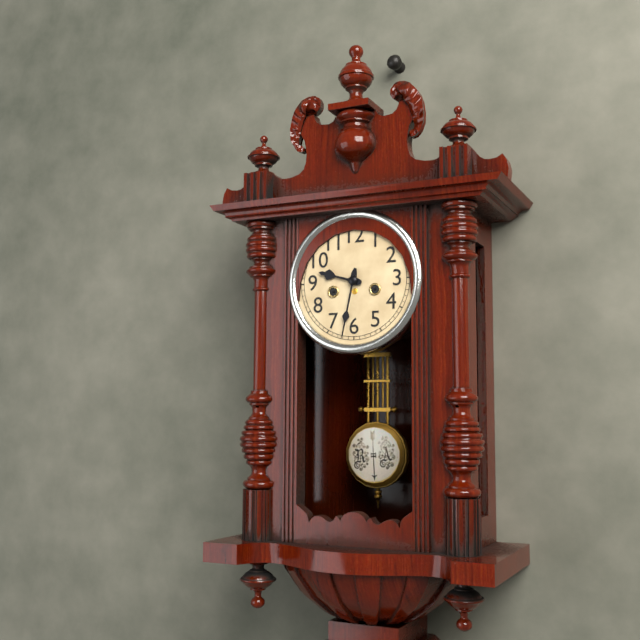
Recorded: 9 h 32 min
